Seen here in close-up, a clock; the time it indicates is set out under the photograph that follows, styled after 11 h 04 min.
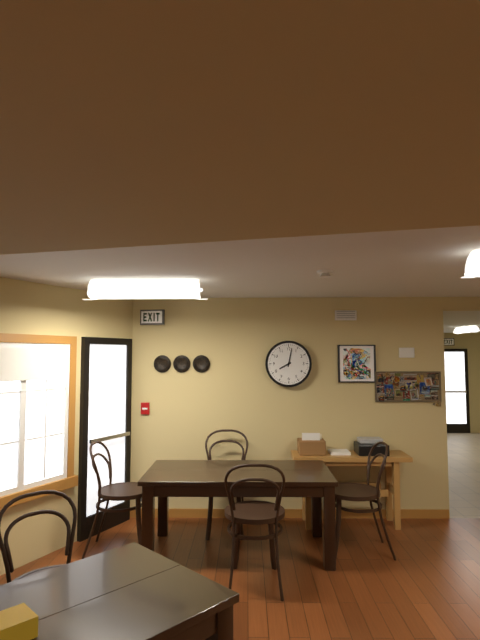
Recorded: 8 h 02 min
